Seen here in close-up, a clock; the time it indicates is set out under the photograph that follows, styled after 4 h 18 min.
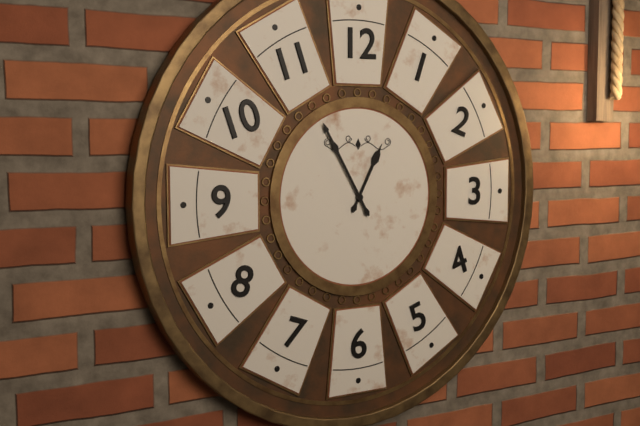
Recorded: 12 h 55 min
